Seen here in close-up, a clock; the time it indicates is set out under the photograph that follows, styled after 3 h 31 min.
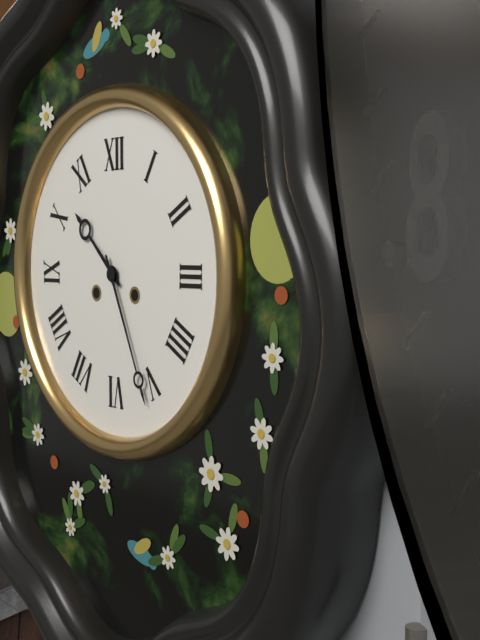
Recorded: 10 h 26 min
